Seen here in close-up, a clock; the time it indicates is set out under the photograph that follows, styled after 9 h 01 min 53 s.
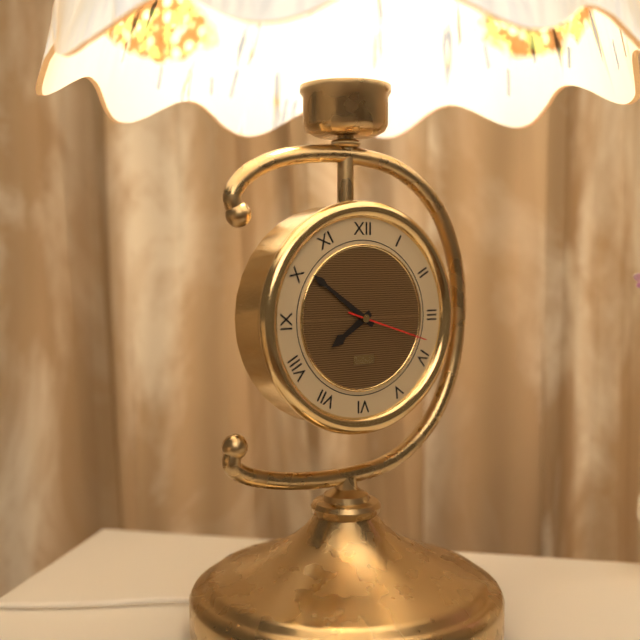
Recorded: 7 h 51 min 18 s
